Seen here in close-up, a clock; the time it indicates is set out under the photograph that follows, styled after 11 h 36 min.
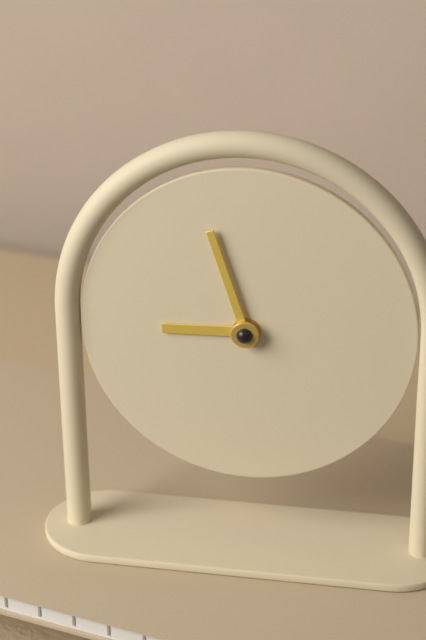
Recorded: 8 h 57 min
